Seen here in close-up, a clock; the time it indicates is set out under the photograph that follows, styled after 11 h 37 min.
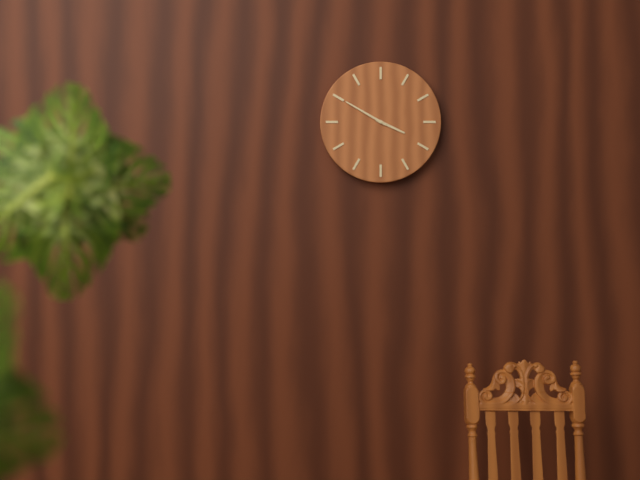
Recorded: 3 h 50 min
